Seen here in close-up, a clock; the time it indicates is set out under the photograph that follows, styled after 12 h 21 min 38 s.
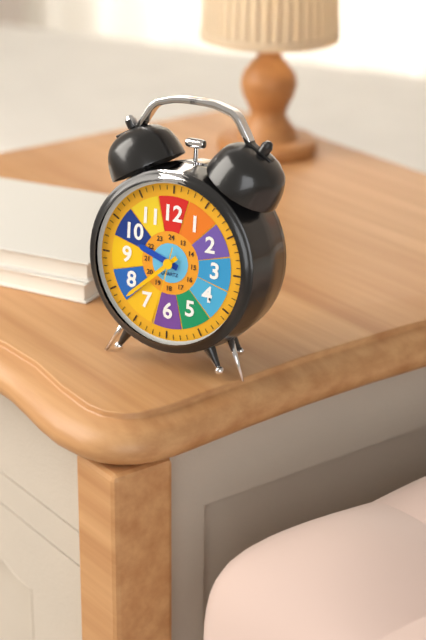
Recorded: 9 h 38 min 32 s
